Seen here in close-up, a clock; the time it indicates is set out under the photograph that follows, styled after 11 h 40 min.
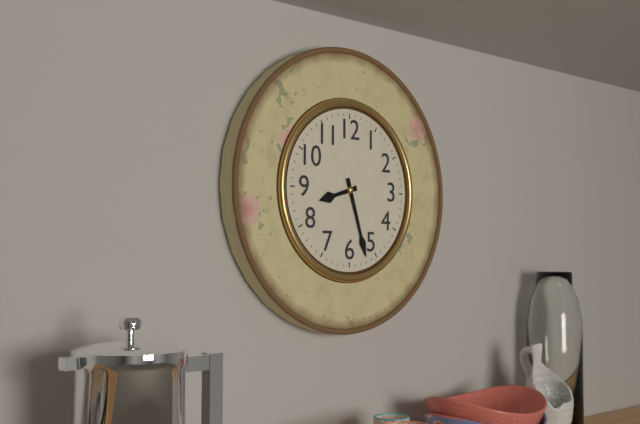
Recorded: 8 h 27 min
